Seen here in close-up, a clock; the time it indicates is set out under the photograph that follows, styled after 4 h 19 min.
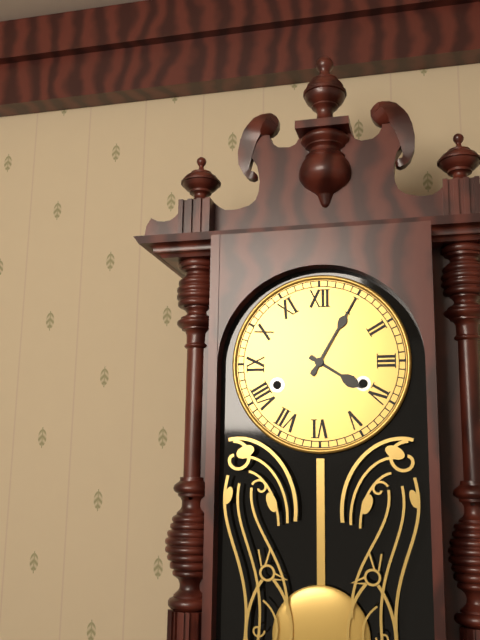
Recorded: 4 h 05 min
